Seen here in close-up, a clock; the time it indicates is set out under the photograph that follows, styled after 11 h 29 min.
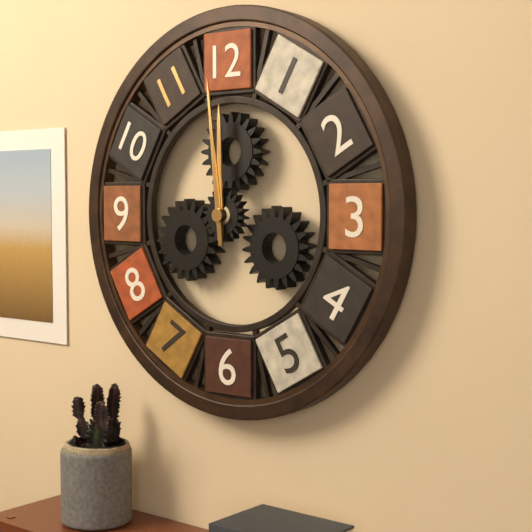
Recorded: 11 h 59 min
